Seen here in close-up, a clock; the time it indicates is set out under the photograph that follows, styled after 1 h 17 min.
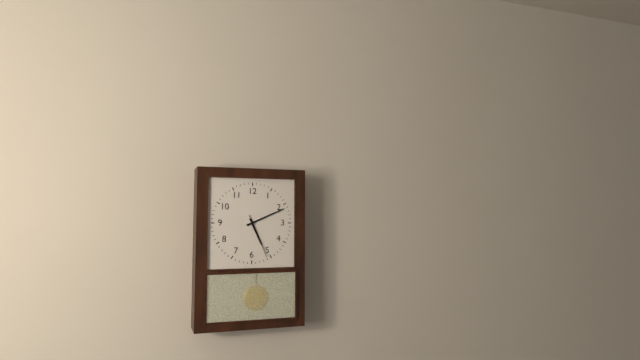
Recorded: 5 h 11 min
